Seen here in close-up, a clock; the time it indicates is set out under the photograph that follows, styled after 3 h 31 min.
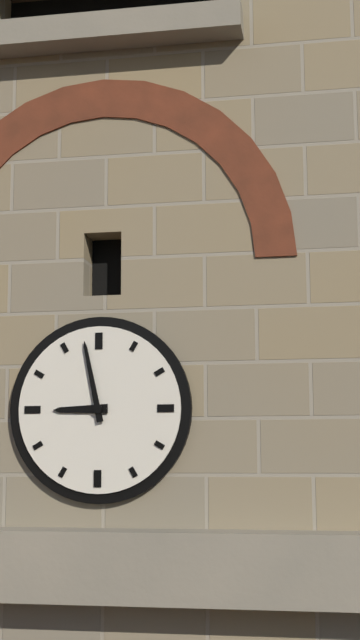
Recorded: 8 h 58 min
